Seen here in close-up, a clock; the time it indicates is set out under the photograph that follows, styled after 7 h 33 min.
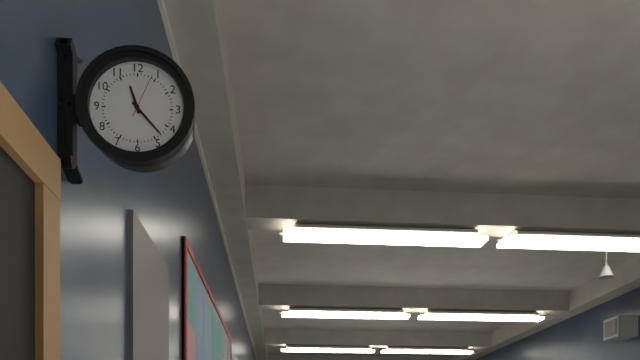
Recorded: 11 h 23 min
